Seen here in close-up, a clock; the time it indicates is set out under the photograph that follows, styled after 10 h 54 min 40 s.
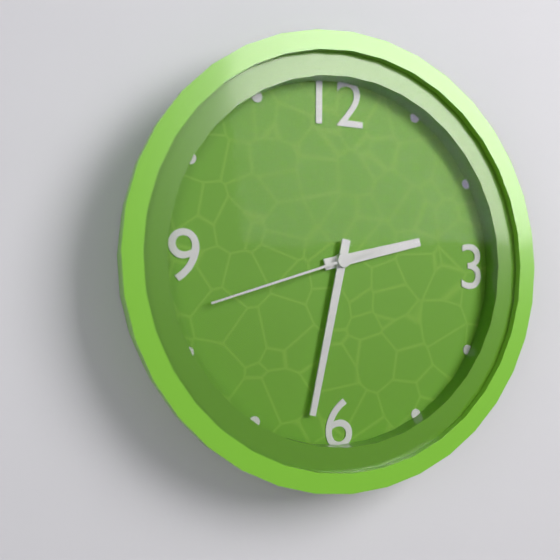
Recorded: 2 h 32 min 42 s
